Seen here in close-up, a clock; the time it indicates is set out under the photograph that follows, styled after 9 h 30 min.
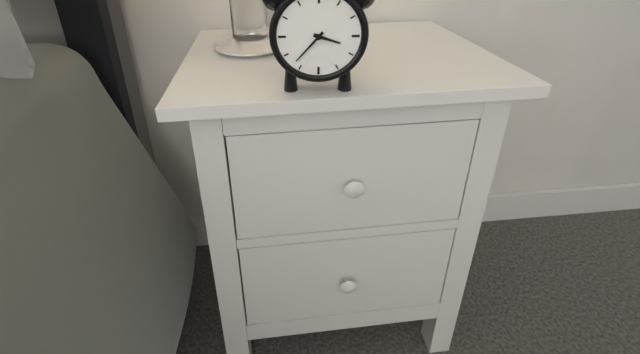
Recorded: 3 h 37 min
